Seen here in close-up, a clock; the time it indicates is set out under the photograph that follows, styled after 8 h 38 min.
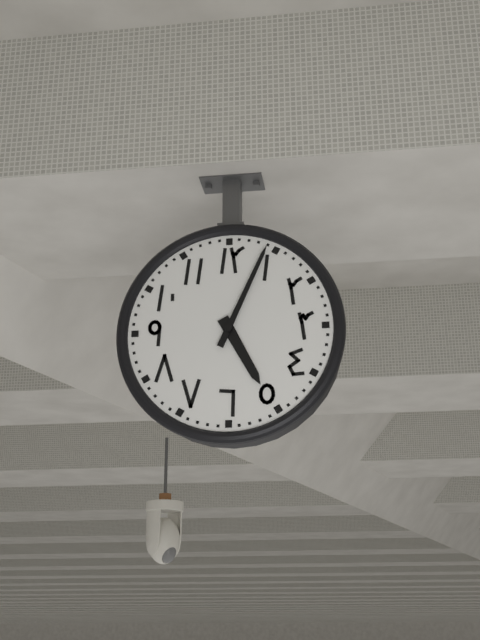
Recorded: 5 h 04 min
